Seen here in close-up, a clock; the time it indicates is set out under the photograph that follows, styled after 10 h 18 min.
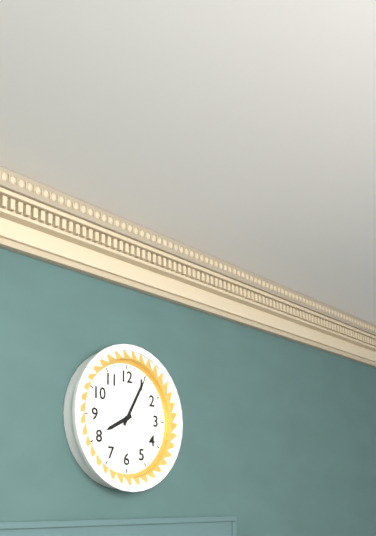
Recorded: 8 h 05 min
